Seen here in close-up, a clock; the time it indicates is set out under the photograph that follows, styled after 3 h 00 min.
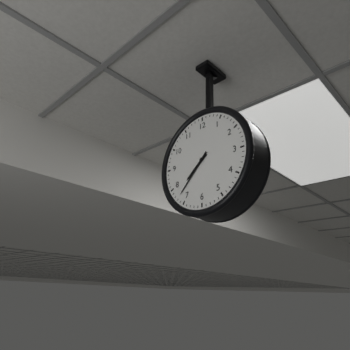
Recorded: 7 h 37 min
